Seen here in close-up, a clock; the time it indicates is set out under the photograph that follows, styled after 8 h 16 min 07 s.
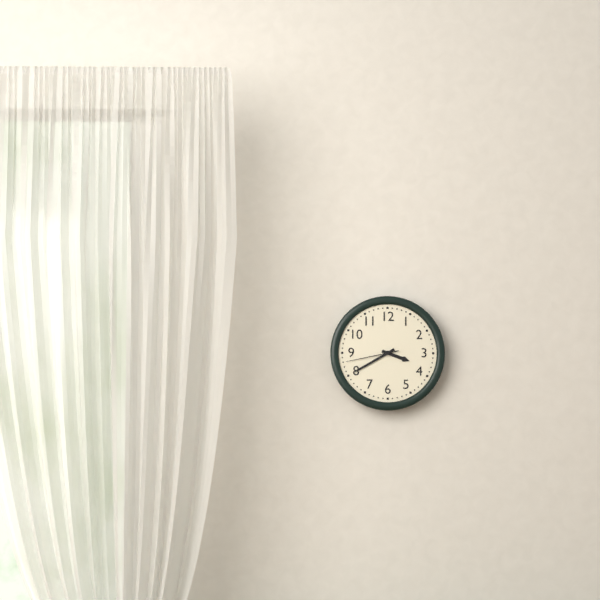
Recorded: 3 h 40 min 43 s
